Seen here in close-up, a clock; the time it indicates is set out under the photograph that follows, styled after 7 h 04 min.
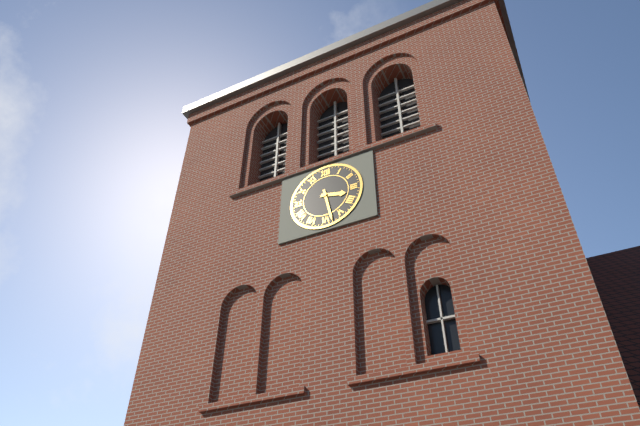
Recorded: 3 h 28 min
